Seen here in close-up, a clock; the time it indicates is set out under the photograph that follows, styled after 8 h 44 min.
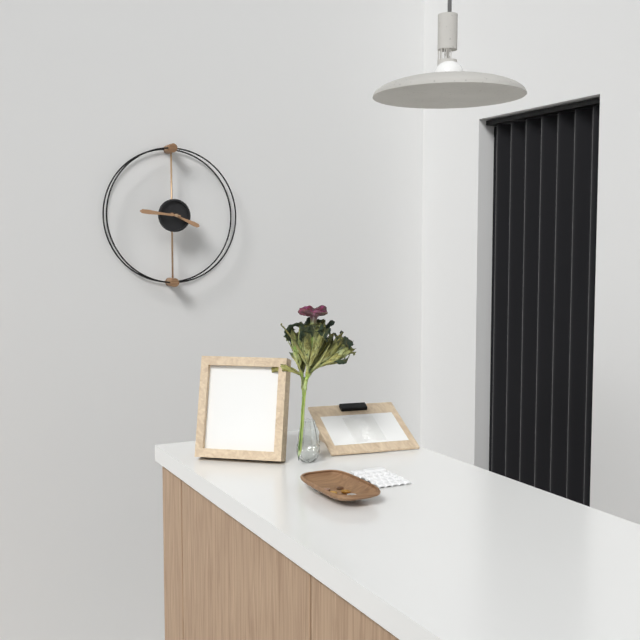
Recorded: 3 h 46 min
